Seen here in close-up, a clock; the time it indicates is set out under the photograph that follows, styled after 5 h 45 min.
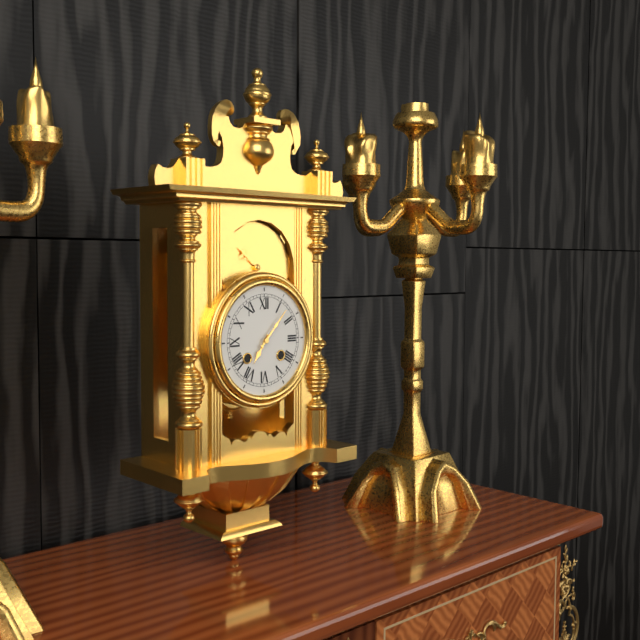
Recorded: 7 h 07 min
